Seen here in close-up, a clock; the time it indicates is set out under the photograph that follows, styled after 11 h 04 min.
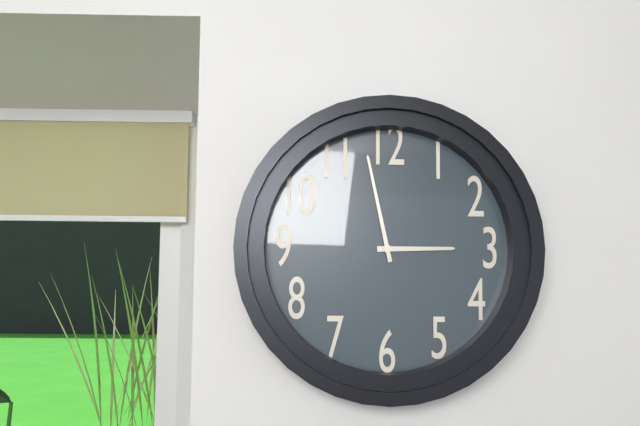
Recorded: 2 h 58 min
